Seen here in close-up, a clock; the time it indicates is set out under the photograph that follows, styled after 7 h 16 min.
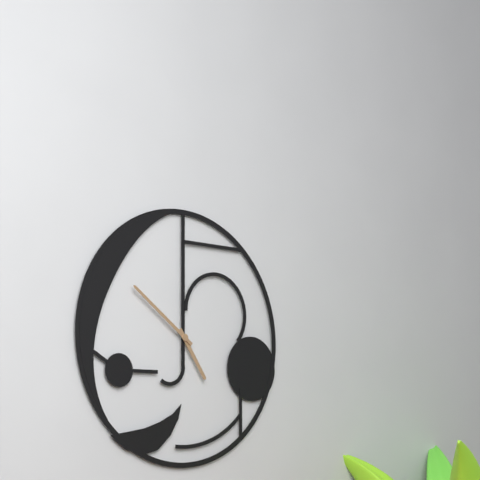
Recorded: 4 h 51 min
